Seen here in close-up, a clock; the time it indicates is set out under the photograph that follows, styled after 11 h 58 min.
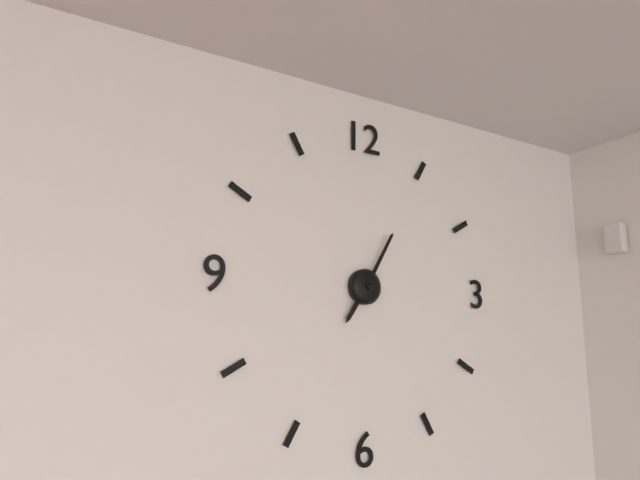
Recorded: 7 h 05 min
